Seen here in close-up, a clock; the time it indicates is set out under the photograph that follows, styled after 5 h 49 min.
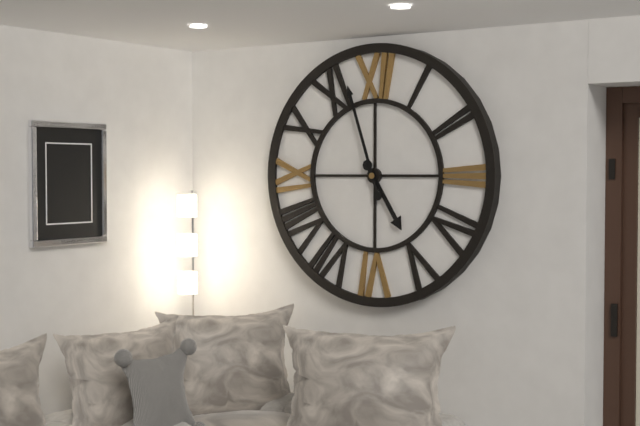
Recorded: 4 h 57 min
